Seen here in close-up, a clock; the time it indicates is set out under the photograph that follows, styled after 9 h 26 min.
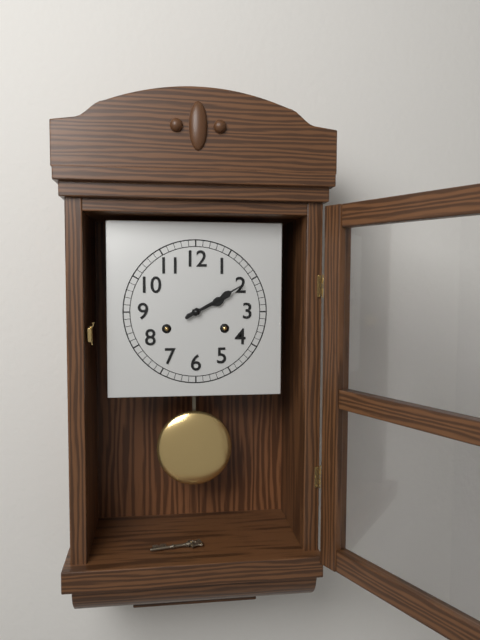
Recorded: 2 h 10 min
